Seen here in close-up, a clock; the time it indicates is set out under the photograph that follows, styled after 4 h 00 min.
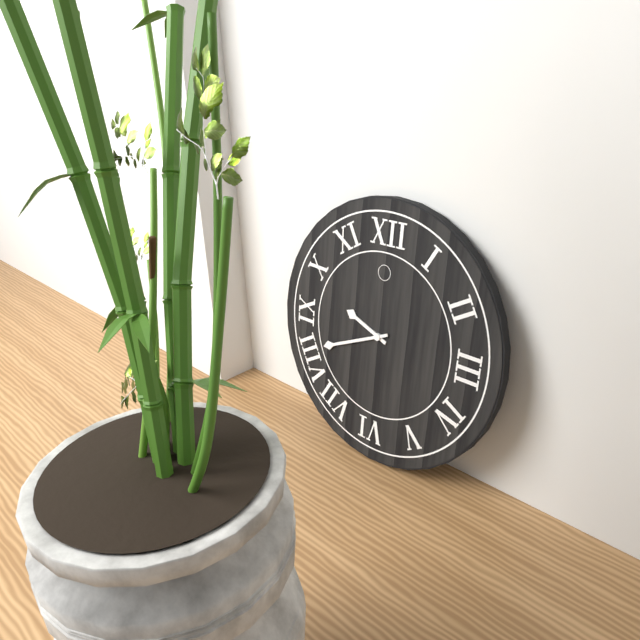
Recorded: 9 h 41 min
